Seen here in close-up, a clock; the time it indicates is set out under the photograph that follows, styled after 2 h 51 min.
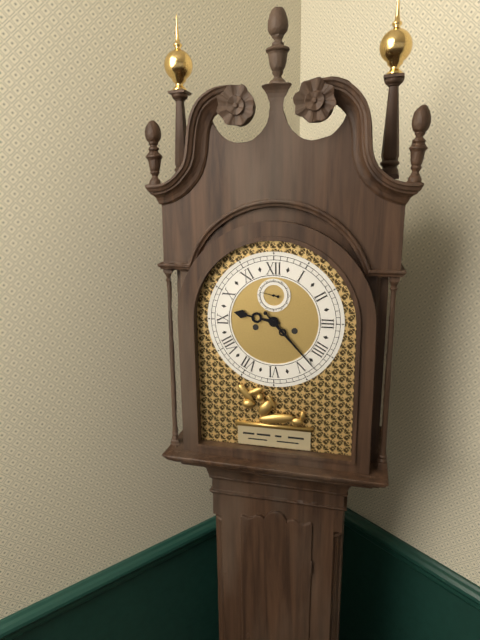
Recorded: 9 h 23 min
